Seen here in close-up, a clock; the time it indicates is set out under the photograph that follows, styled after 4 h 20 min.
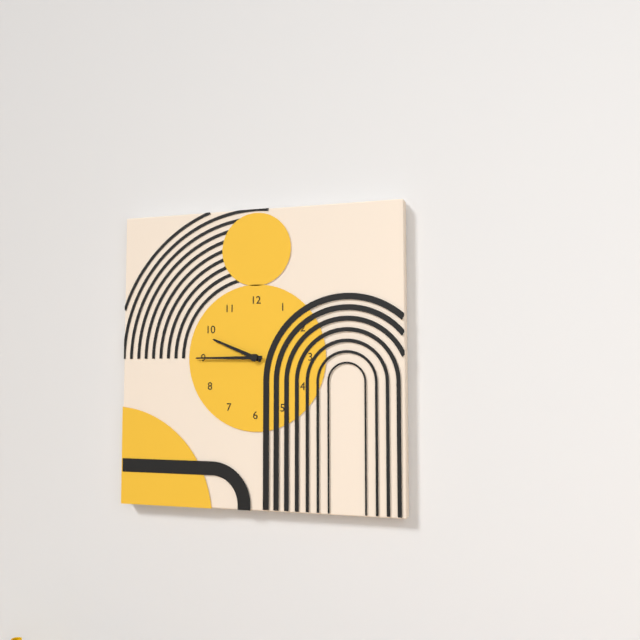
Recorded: 9 h 45 min
